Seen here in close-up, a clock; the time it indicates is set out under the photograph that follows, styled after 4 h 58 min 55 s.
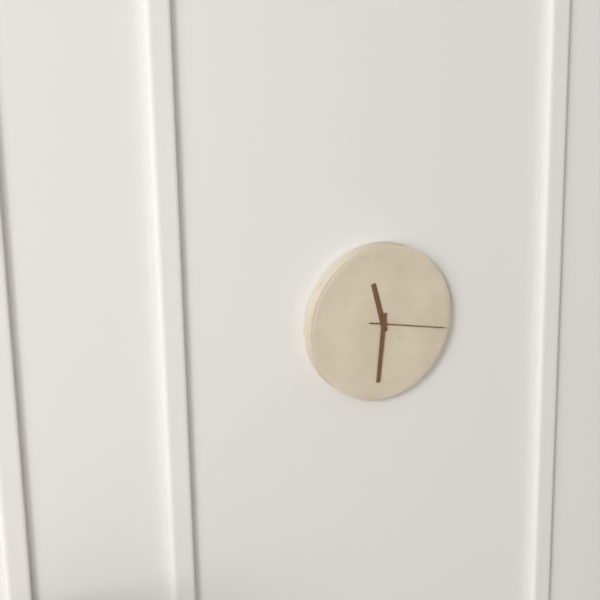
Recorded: 11 h 31 min 17 s
